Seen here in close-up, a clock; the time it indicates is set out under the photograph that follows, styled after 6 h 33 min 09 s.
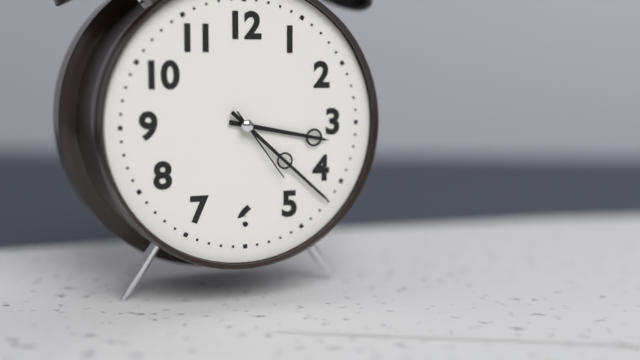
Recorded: 3 h 22 min 24 s
